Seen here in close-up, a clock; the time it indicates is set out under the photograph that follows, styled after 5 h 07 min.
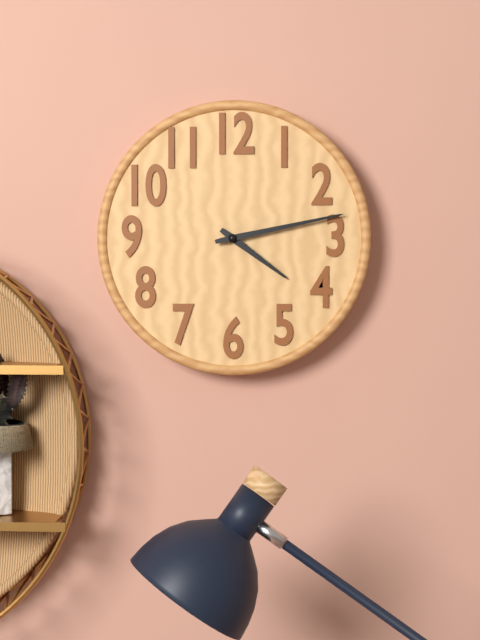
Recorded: 4 h 13 min
